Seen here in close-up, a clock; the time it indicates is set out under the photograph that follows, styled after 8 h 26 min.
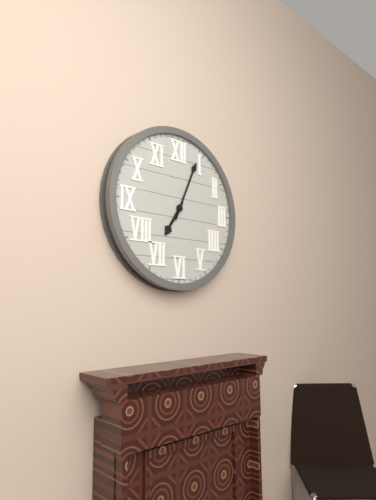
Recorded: 7 h 04 min
